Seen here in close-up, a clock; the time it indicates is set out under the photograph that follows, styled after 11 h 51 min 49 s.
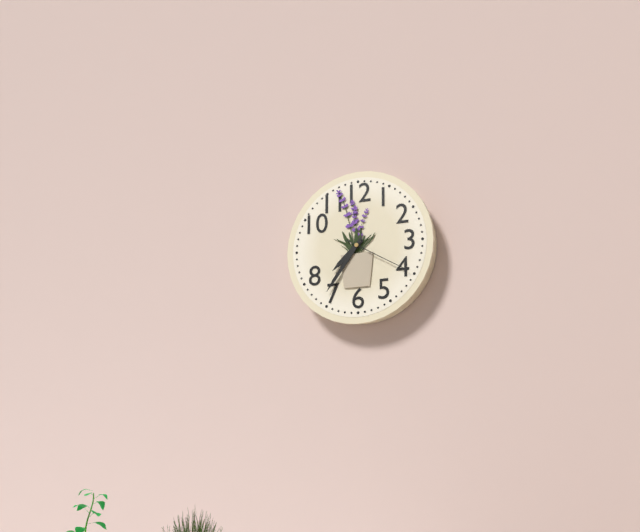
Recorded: 7 h 36 min 20 s
